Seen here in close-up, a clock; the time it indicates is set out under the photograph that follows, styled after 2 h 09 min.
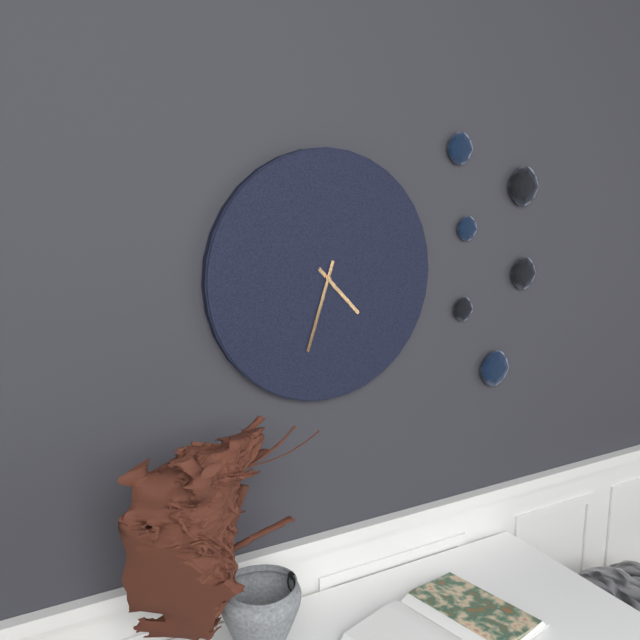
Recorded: 4 h 33 min
